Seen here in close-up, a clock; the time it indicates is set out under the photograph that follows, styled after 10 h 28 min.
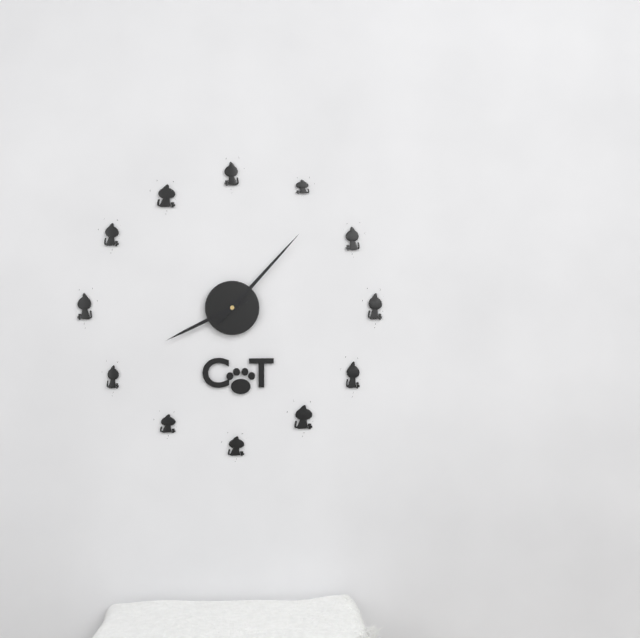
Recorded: 8 h 07 min
